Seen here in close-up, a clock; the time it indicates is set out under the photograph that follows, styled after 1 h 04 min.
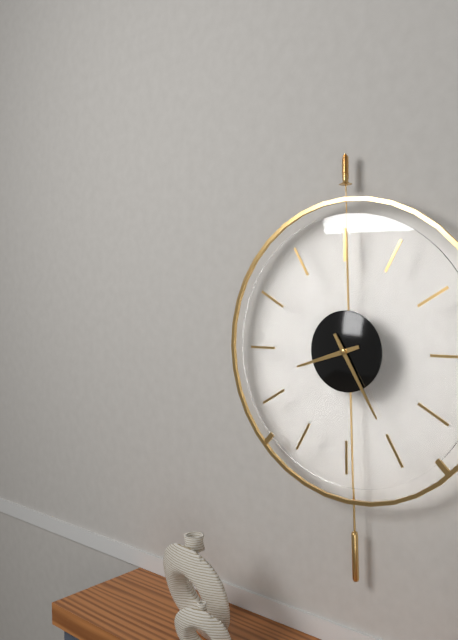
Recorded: 8 h 25 min
